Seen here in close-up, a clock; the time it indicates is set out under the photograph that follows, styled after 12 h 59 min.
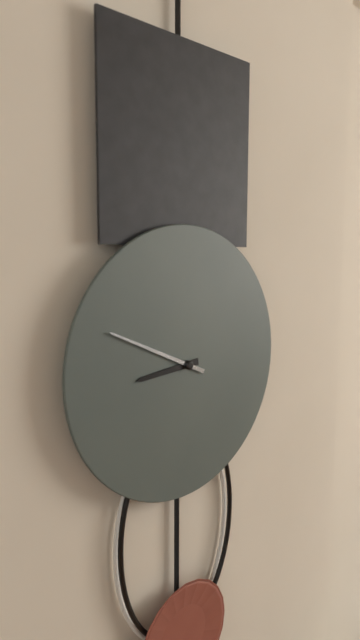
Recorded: 8 h 49 min
